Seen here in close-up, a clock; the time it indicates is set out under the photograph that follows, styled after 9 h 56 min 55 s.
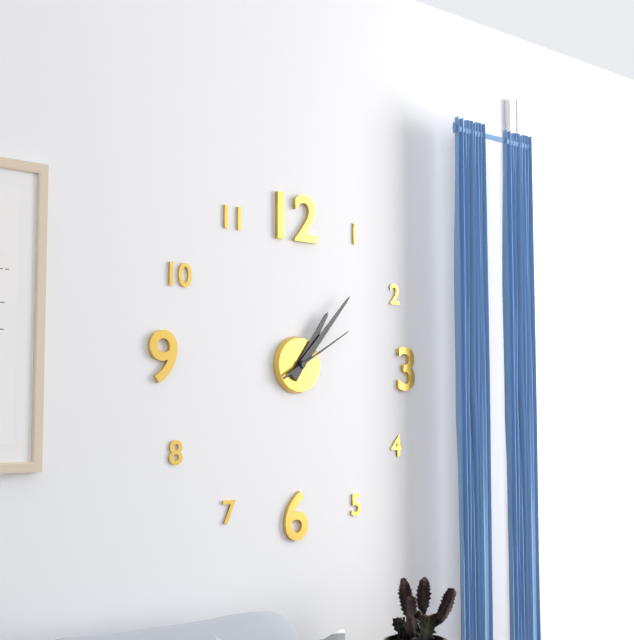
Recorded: 1 h 07 min 10 s
